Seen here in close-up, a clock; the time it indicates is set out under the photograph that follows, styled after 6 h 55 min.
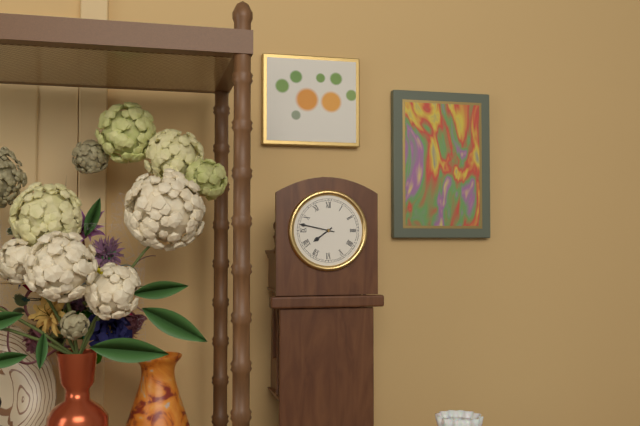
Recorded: 7 h 47 min
